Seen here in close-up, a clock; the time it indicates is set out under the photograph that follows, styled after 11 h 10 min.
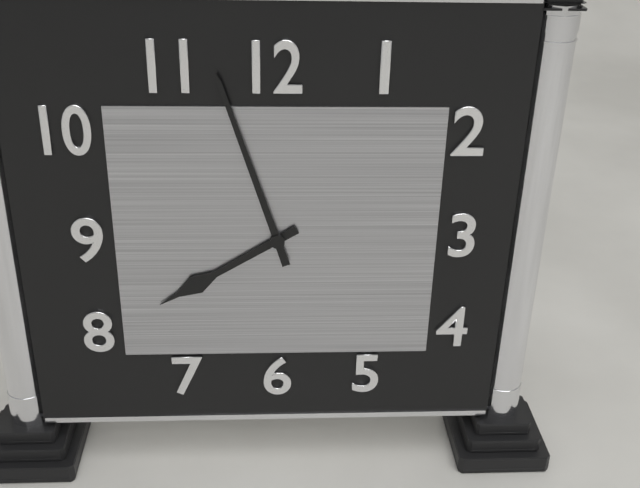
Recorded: 7 h 57 min
